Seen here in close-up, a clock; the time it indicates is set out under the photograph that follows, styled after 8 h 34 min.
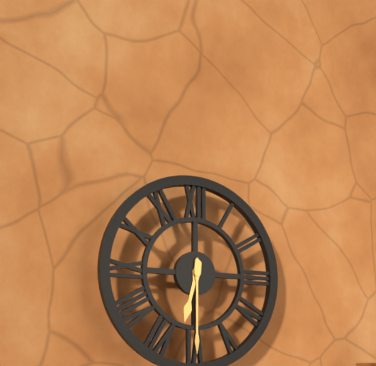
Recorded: 6 h 30 min
